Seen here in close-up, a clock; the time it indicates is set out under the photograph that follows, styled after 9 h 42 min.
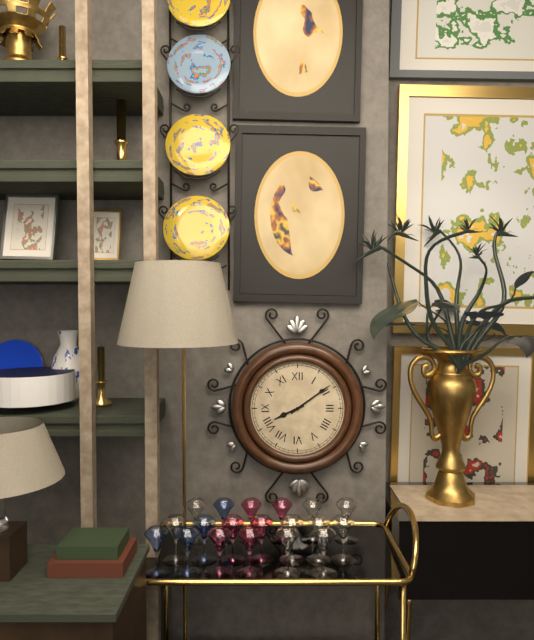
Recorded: 8 h 09 min
